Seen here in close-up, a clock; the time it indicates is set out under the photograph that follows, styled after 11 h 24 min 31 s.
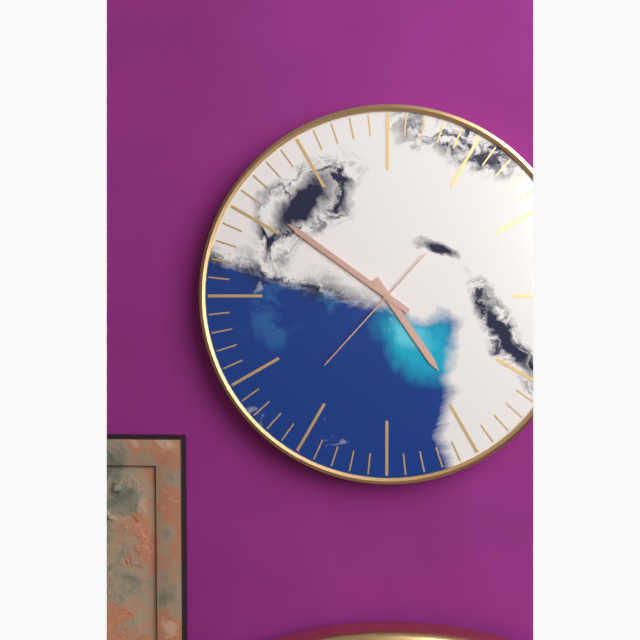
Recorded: 4 h 51 min 37 s
